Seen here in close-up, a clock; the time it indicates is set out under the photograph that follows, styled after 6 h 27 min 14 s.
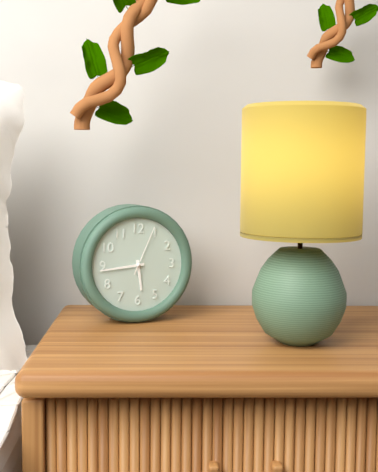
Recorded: 5 h 44 min 04 s
